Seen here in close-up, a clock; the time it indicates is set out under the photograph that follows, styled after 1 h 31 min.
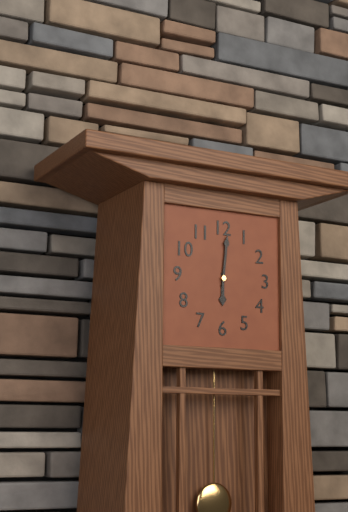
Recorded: 6 h 01 min
